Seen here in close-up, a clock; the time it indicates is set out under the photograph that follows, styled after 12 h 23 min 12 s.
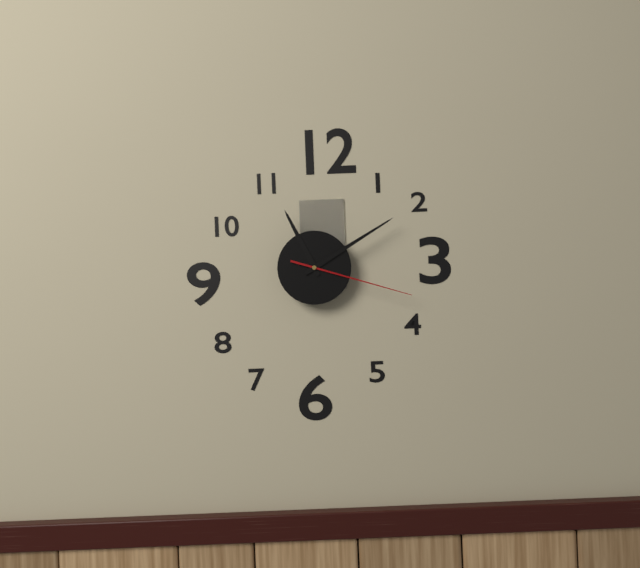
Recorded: 11 h 10 min 18 s
